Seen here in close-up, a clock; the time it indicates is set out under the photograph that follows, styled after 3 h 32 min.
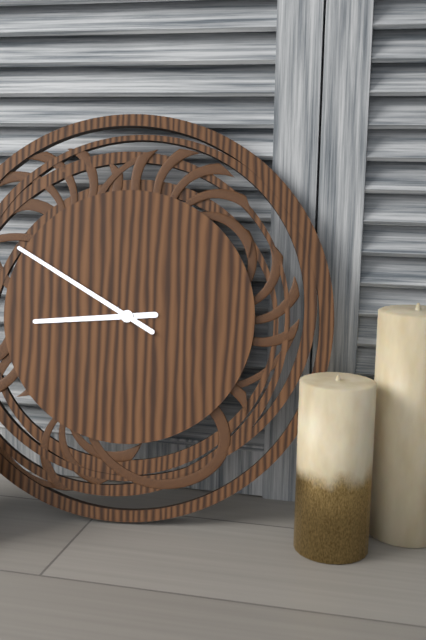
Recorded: 8 h 50 min
